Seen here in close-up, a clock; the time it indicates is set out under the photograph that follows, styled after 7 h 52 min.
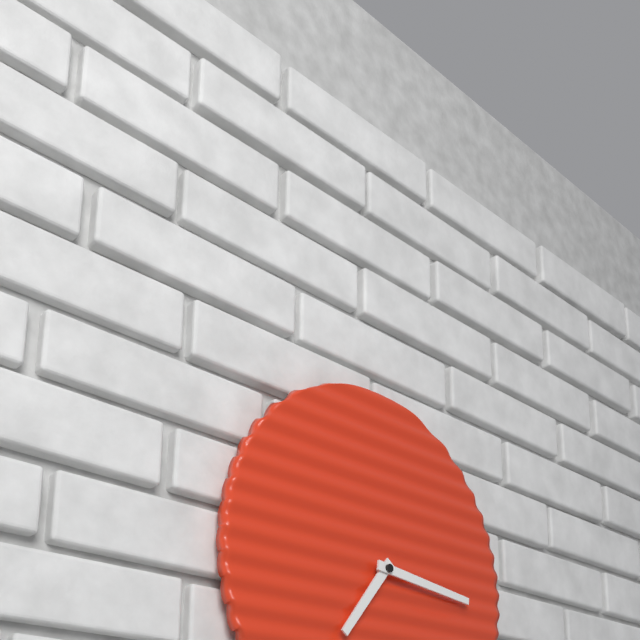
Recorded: 7 h 16 min
